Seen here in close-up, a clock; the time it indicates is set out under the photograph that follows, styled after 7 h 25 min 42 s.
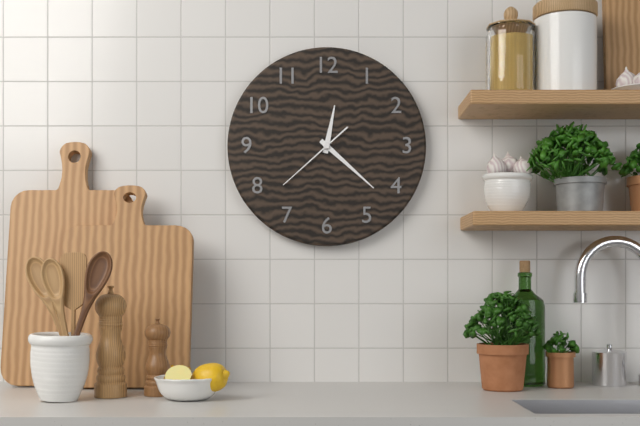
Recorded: 12 h 22 min 38 s
